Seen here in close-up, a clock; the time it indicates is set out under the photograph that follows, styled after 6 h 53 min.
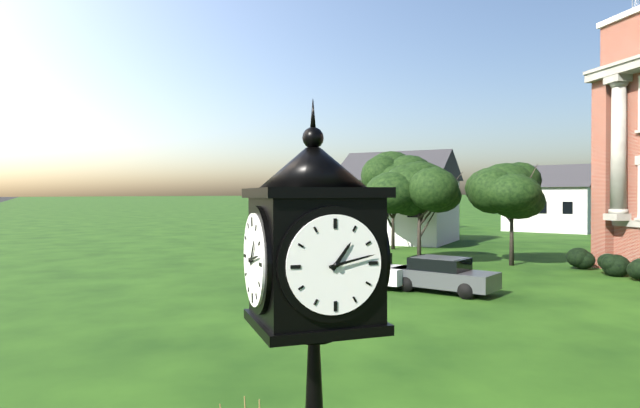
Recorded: 1 h 13 min
